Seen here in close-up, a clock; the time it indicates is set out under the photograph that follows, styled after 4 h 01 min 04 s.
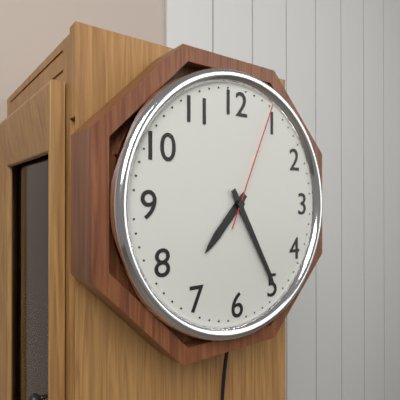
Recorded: 7 h 25 min 04 s
